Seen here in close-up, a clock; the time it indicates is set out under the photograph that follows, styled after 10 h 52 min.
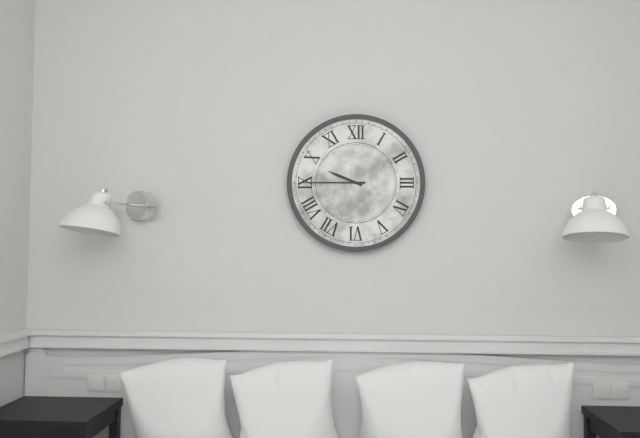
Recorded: 9 h 45 min
